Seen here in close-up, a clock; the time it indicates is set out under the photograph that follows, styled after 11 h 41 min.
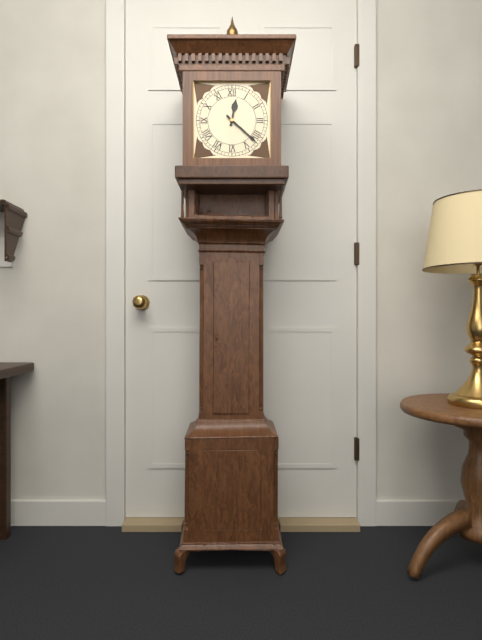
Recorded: 12 h 22 min
